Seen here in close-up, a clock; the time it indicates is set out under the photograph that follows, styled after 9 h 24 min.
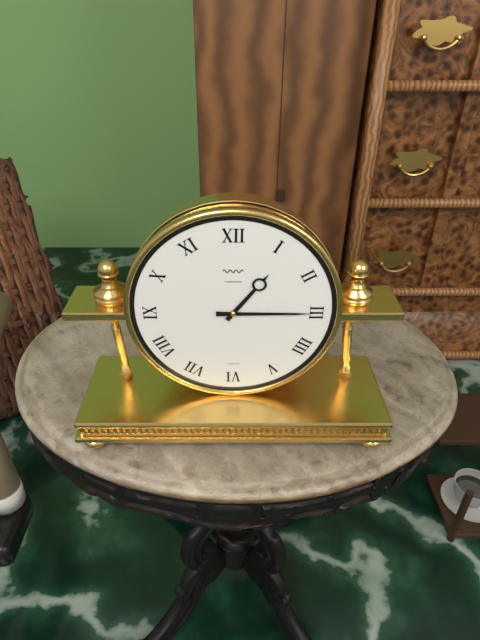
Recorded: 1 h 15 min
